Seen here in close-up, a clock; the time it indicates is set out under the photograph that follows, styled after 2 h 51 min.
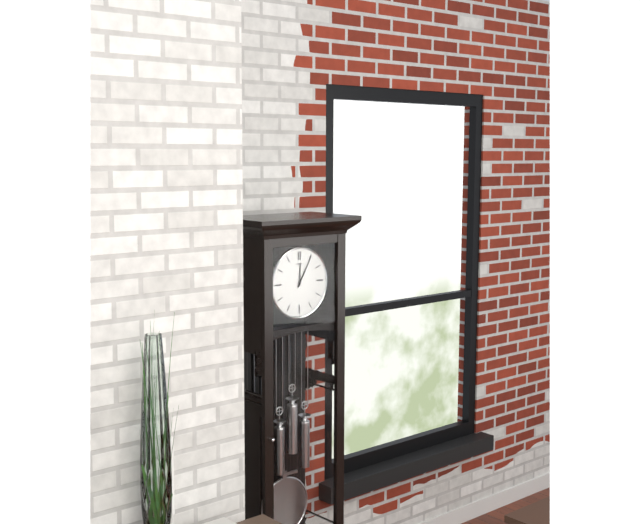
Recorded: 12 h 05 min
